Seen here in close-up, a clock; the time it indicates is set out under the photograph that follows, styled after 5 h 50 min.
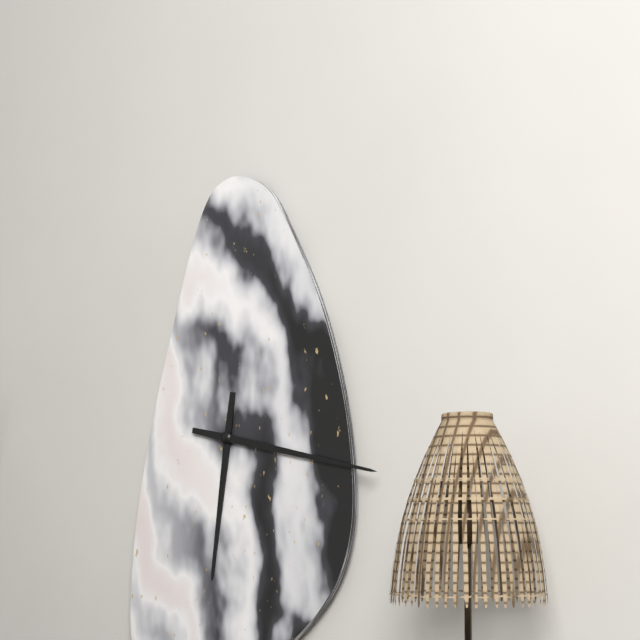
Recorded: 6 h 17 min
